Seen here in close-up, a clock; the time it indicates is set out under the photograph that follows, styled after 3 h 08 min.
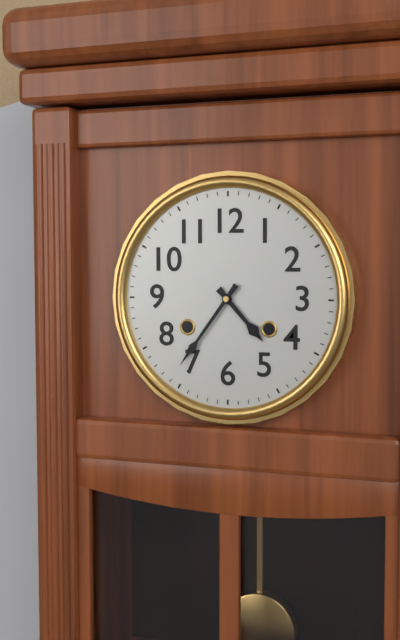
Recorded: 4 h 36 min
